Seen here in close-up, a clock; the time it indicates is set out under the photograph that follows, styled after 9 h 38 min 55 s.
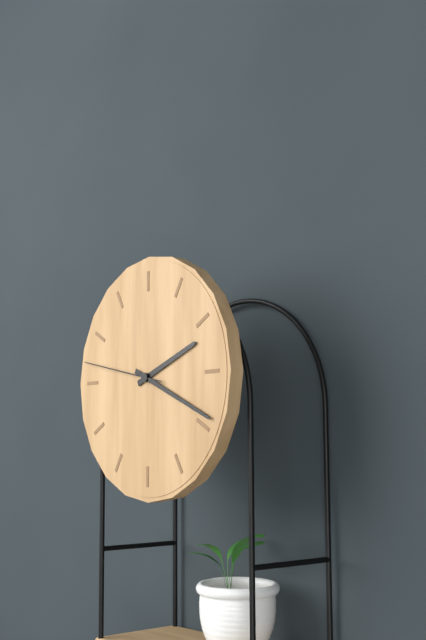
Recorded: 2 h 19 min 47 s
